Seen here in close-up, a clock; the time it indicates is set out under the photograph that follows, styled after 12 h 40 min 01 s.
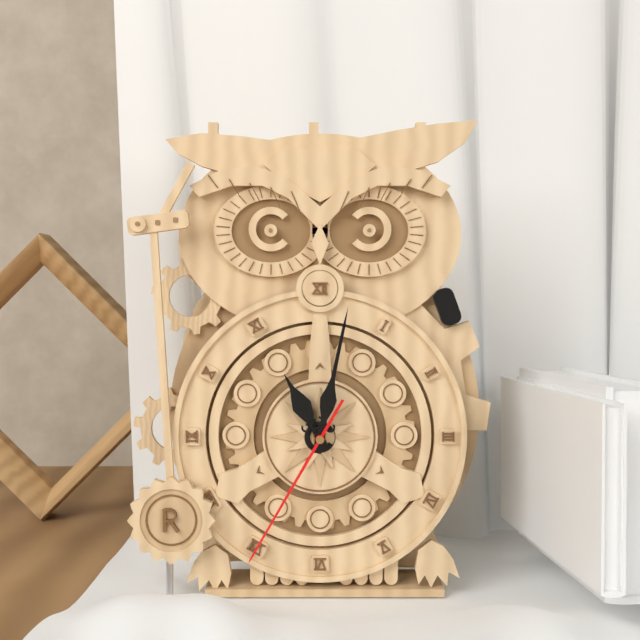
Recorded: 11 h 02 min 35 s
